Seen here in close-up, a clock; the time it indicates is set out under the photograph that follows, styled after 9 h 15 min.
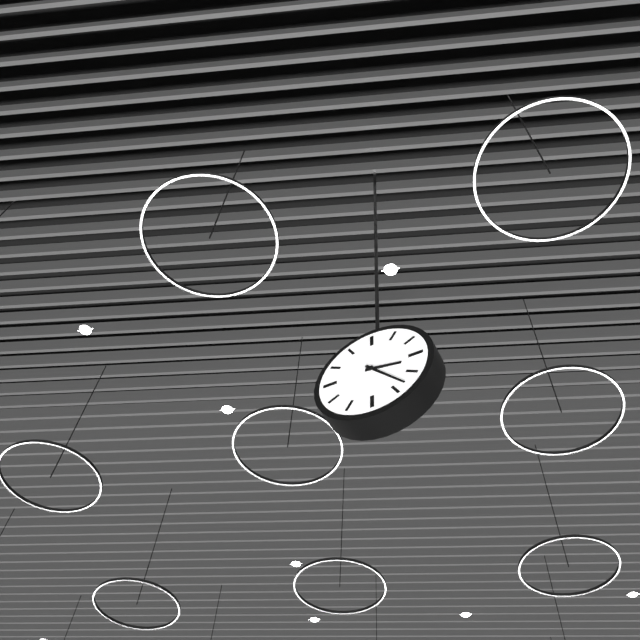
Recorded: 3 h 23 min
